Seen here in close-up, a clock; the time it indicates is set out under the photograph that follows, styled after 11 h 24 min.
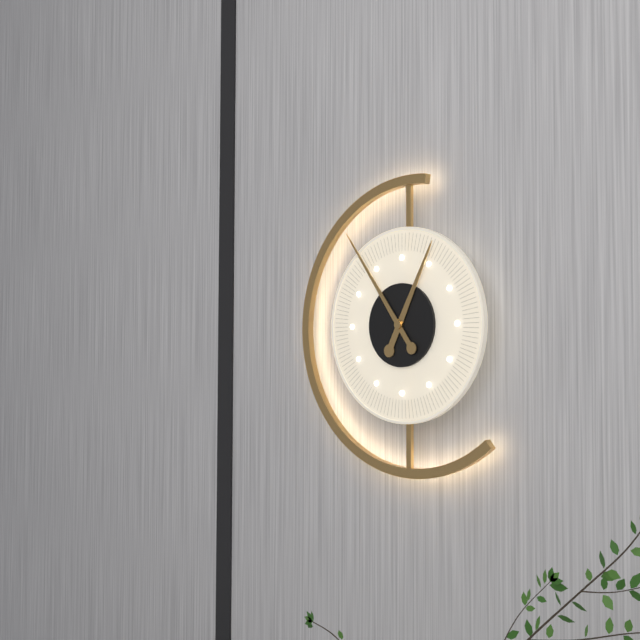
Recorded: 12 h 54 min
